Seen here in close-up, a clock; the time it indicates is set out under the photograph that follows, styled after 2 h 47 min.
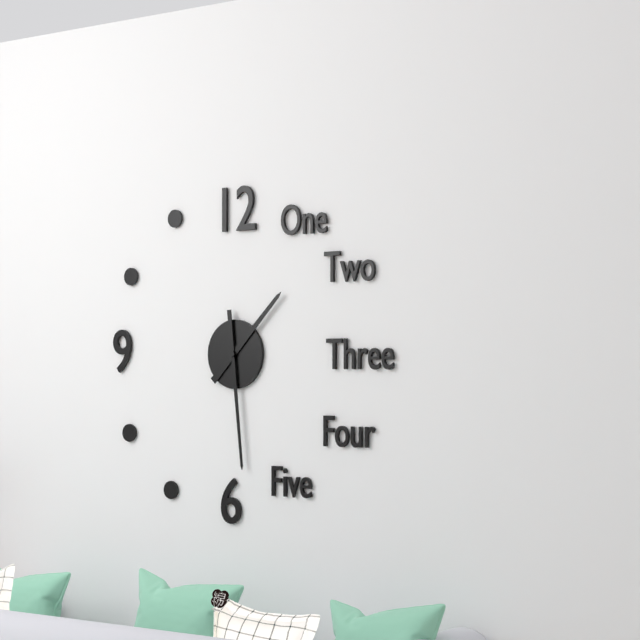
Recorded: 1 h 29 min
